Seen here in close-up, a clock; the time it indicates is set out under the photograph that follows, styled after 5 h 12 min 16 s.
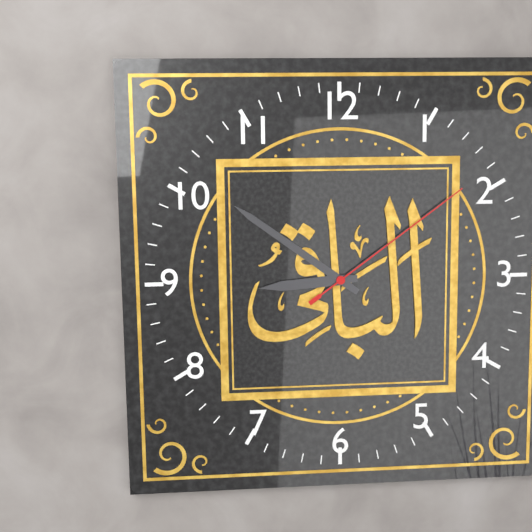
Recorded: 8 h 51 min 09 s
